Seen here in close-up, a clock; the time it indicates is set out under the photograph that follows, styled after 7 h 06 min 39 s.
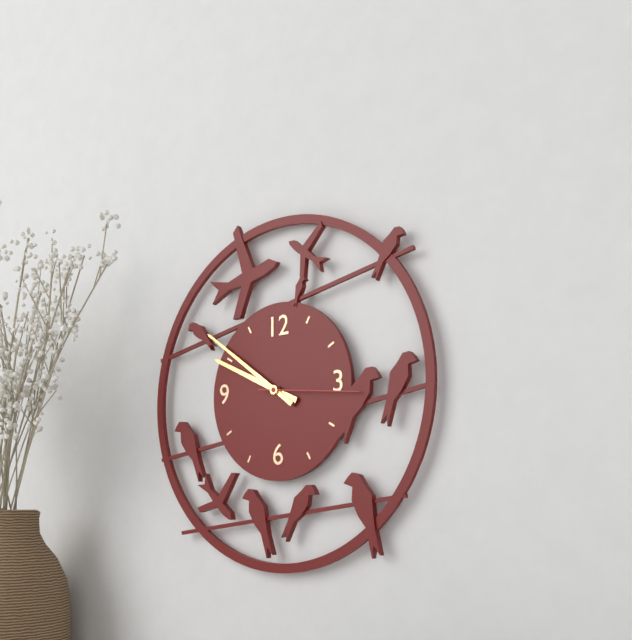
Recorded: 9 h 51 min 16 s
